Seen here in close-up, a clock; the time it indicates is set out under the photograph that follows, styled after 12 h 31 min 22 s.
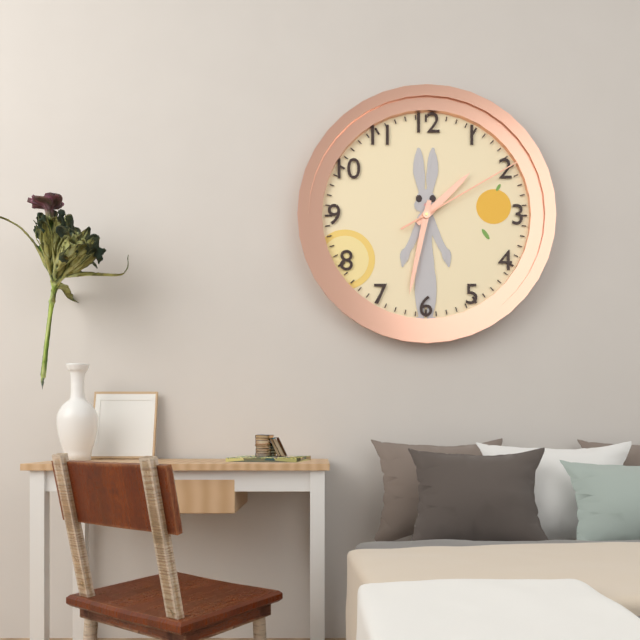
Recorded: 1 h 32 min 10 s
